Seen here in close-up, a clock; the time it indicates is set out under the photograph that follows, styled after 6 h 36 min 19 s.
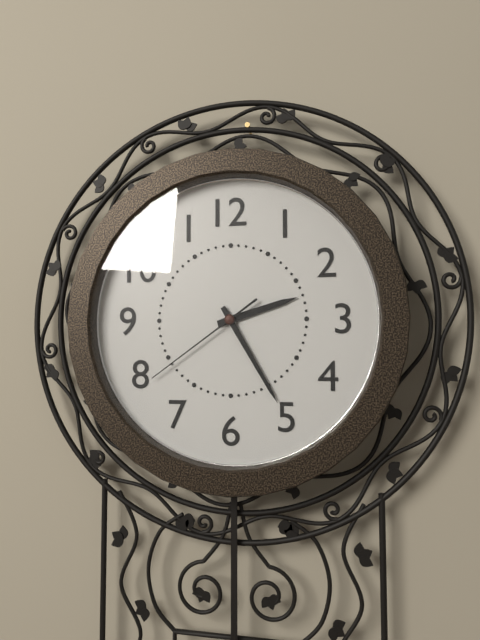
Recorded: 2 h 25 min 39 s
